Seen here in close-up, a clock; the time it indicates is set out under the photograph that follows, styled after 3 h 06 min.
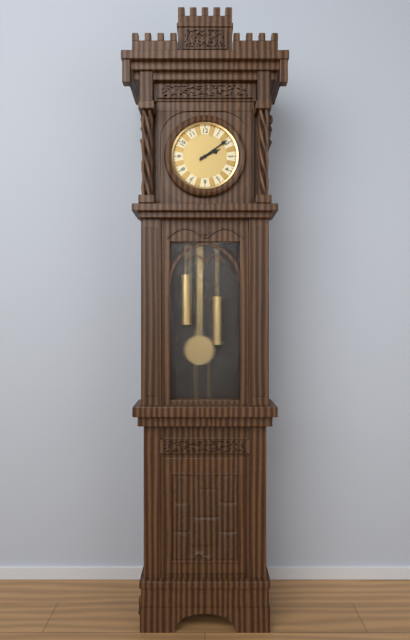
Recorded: 2 h 09 min
